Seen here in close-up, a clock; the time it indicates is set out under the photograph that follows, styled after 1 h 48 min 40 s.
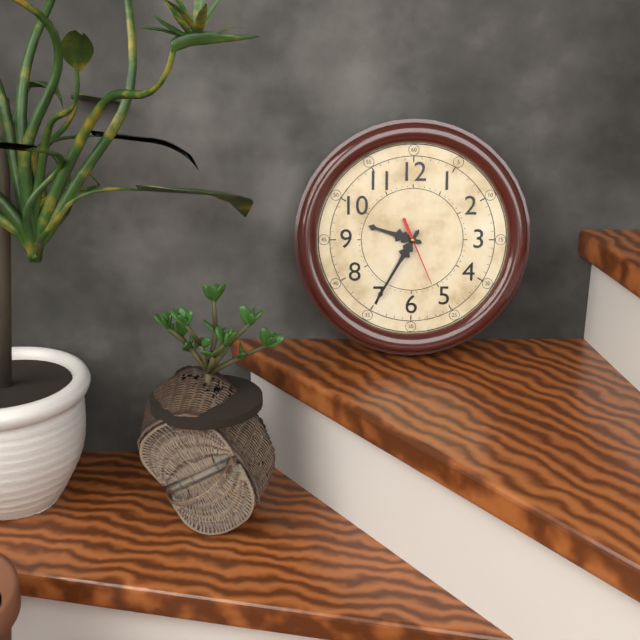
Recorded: 9 h 35 min 26 s
